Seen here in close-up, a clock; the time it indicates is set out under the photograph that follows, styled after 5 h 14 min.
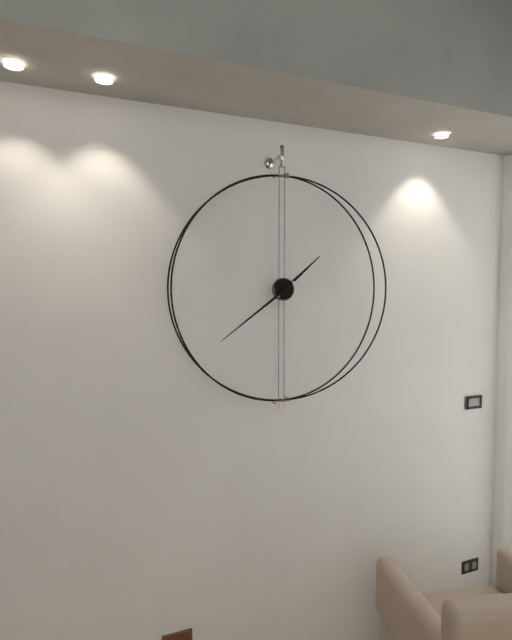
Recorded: 1 h 39 min
